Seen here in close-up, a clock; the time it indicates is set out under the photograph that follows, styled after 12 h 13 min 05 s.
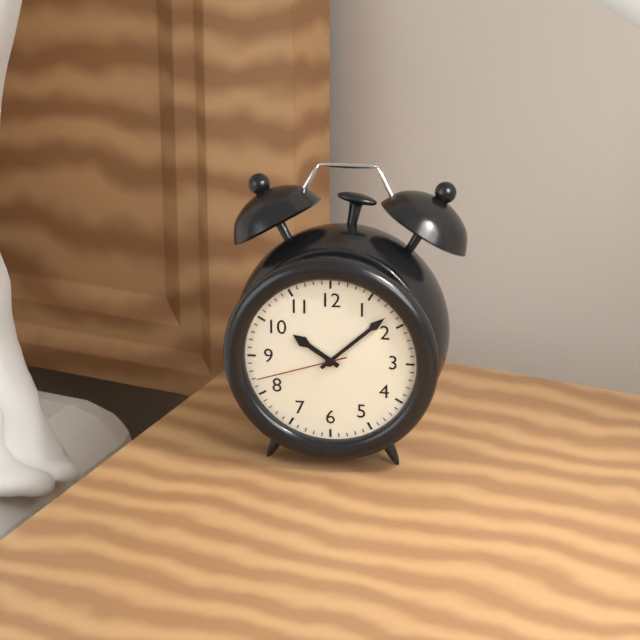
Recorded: 10 h 08 min 42 s
